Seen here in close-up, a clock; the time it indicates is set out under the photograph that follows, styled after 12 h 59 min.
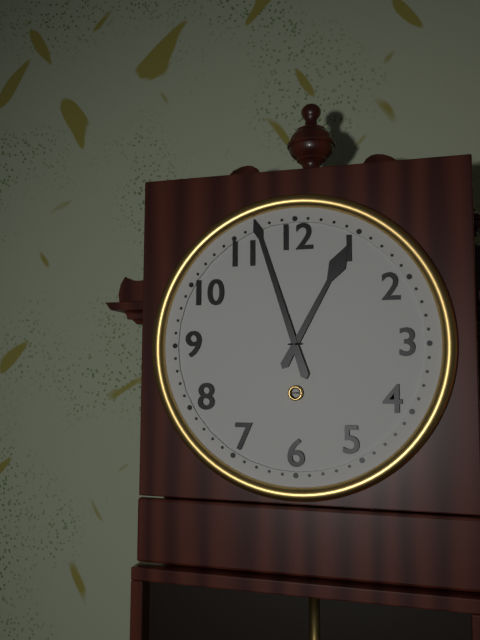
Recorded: 12 h 57 min
